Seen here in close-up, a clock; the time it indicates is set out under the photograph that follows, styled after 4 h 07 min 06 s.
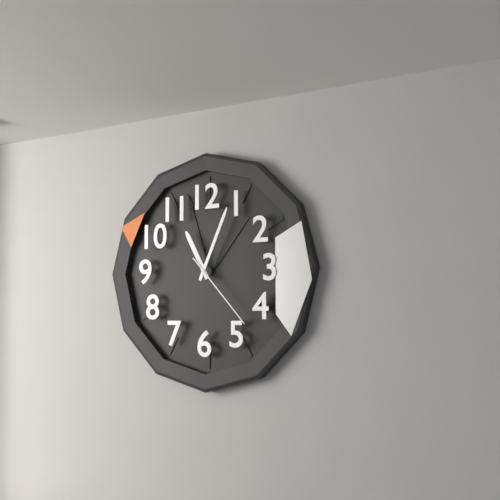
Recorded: 11 h 04 min 23 s
